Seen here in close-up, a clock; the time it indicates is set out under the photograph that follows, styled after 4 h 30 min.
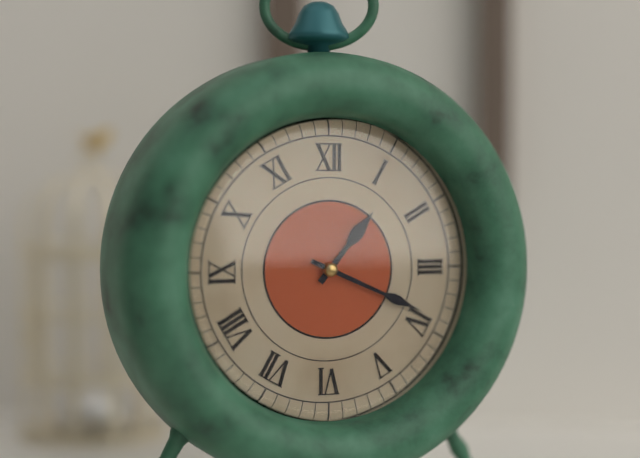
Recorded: 1 h 19 min
